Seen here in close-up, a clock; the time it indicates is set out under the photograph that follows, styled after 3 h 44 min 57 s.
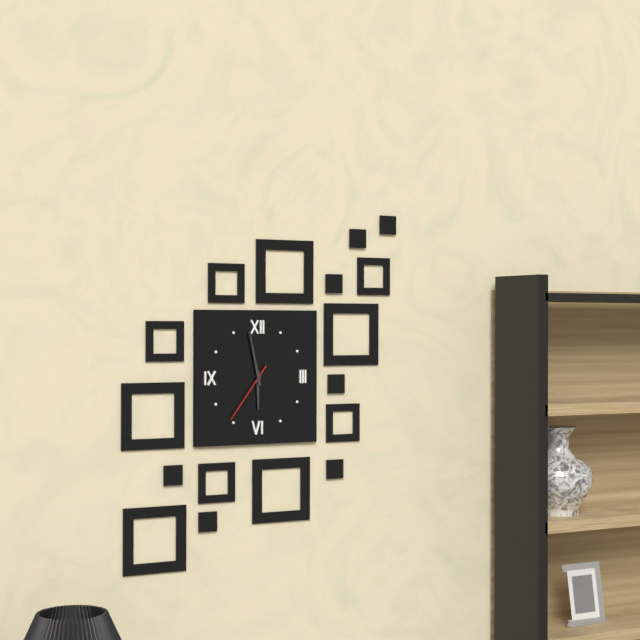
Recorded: 5 h 58 min 36 s
